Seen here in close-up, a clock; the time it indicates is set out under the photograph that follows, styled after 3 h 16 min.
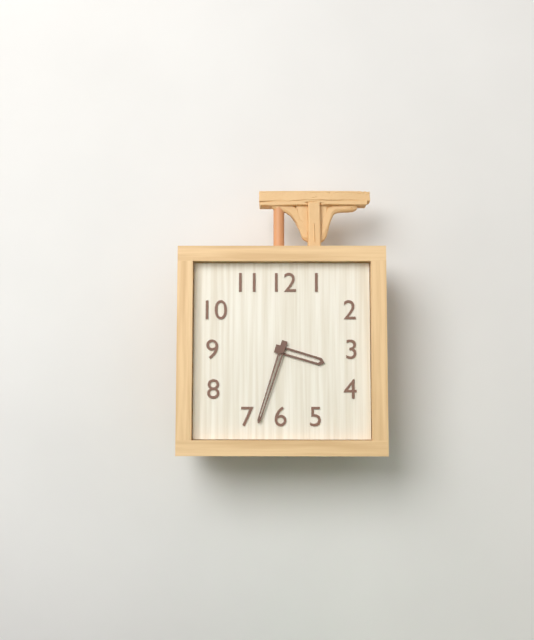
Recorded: 3 h 33 min
